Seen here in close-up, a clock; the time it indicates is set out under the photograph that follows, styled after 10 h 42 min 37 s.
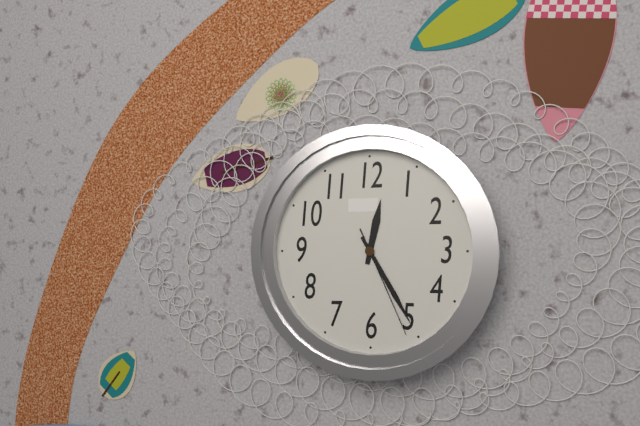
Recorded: 12 h 25 min 26 s
